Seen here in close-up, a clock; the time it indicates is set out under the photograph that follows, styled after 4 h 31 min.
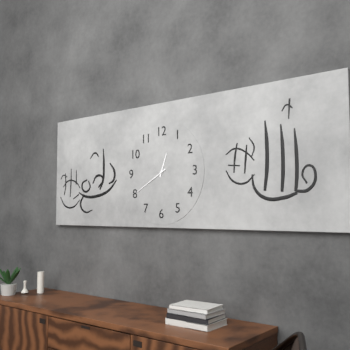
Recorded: 12 h 40 min
